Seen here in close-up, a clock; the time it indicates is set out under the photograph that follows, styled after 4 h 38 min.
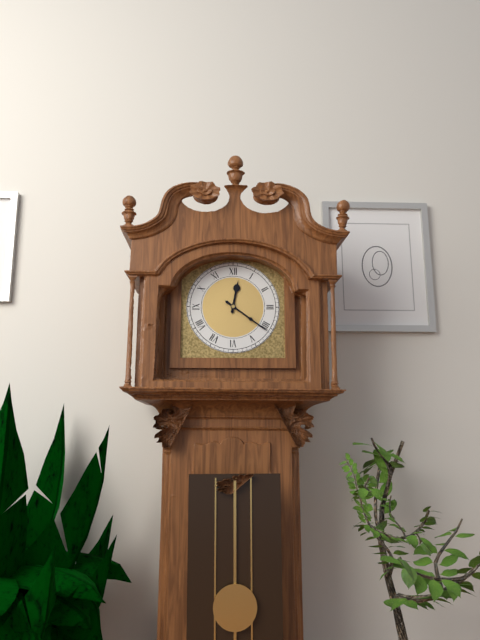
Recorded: 12 h 21 min
